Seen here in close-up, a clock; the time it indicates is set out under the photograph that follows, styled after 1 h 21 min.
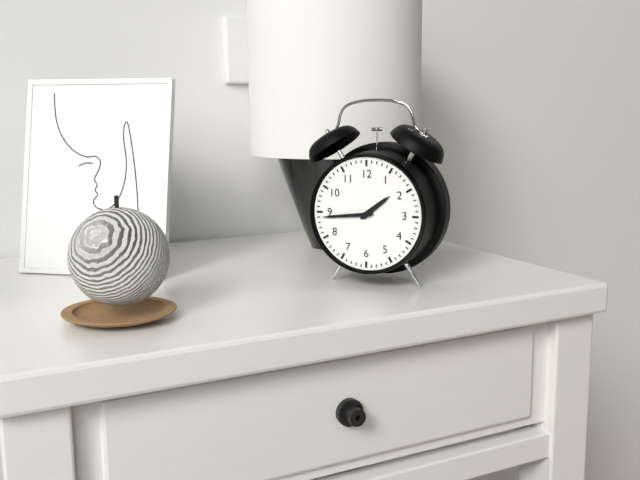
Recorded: 1 h 44 min
